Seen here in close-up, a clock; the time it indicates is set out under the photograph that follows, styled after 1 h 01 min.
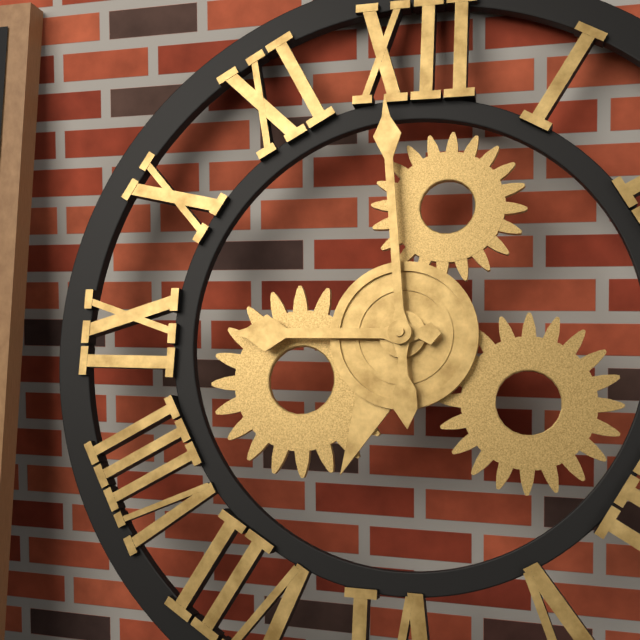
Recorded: 8 h 59 min
